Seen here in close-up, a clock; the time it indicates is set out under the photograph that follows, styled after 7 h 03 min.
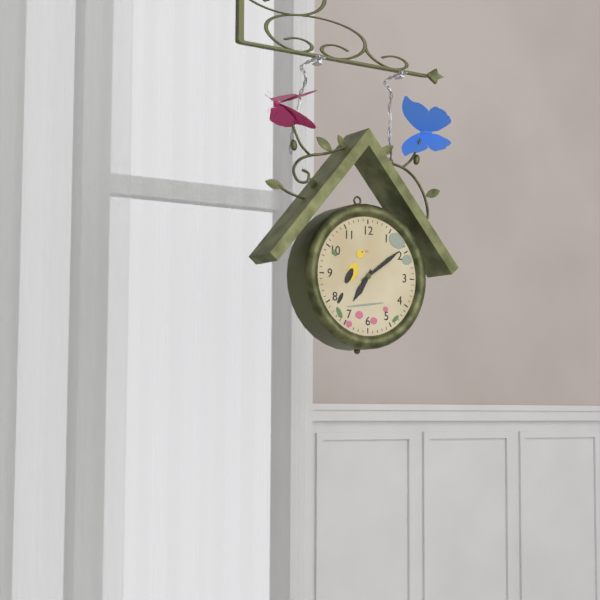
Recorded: 7 h 09 min
